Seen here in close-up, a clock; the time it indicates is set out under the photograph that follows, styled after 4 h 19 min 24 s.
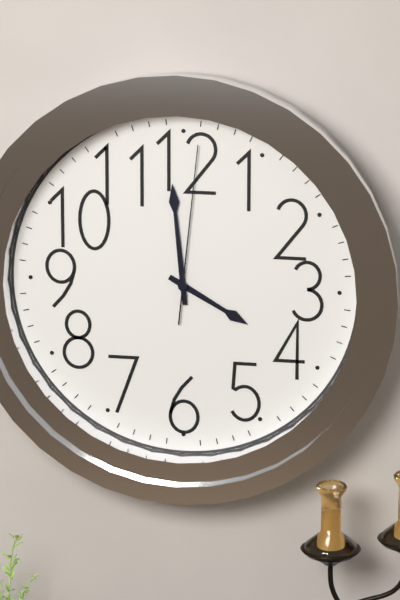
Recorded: 3 h 59 min 01 s
